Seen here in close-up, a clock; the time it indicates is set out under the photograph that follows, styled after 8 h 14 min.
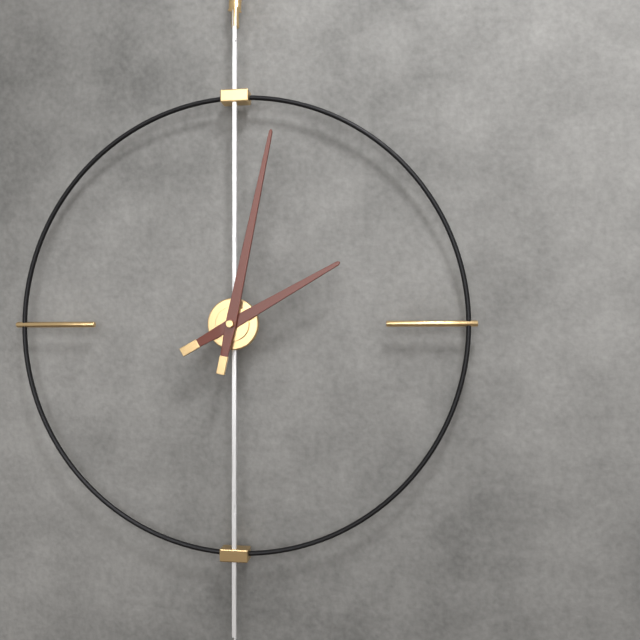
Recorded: 2 h 02 min
